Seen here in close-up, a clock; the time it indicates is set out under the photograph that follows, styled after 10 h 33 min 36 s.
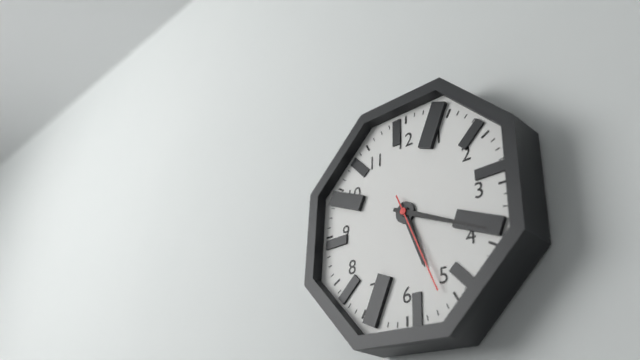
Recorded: 5 h 19 min 26 s
